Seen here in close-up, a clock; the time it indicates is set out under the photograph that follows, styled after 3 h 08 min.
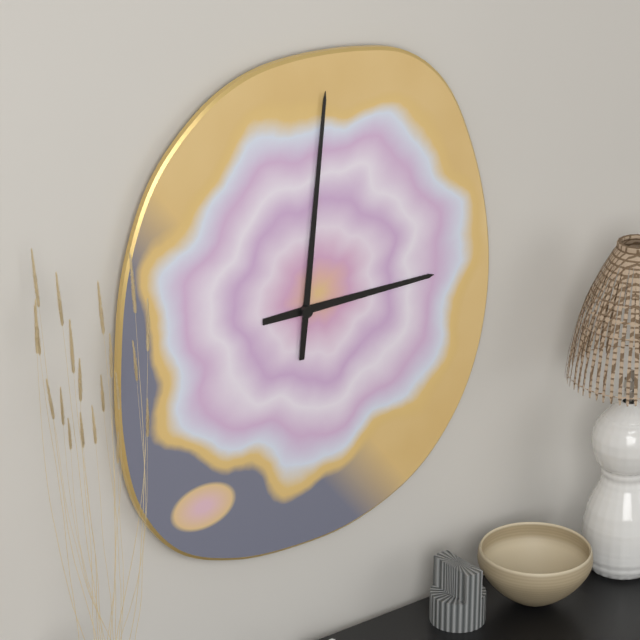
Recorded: 3 h 01 min
